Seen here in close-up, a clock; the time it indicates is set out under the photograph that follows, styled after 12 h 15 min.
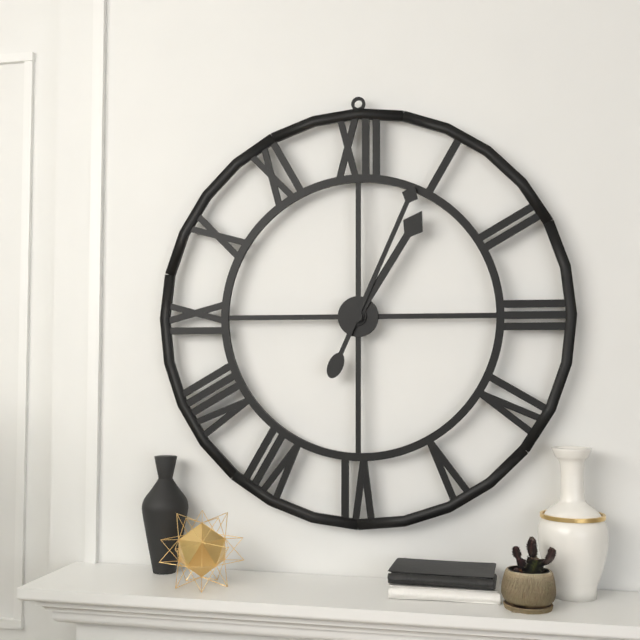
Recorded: 1 h 04 min
